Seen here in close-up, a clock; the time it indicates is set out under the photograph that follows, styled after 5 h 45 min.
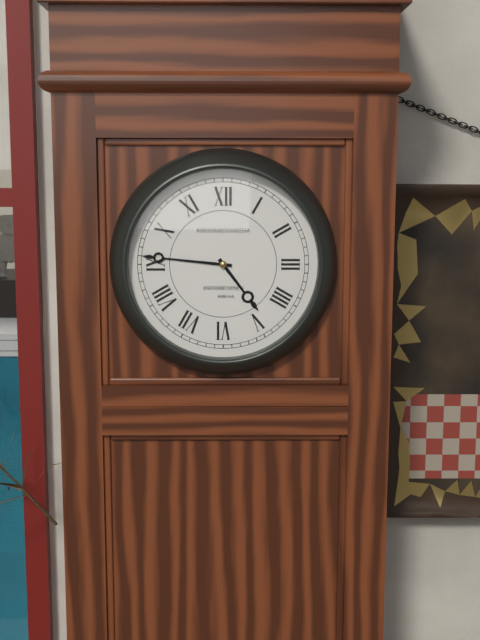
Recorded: 4 h 46 min
